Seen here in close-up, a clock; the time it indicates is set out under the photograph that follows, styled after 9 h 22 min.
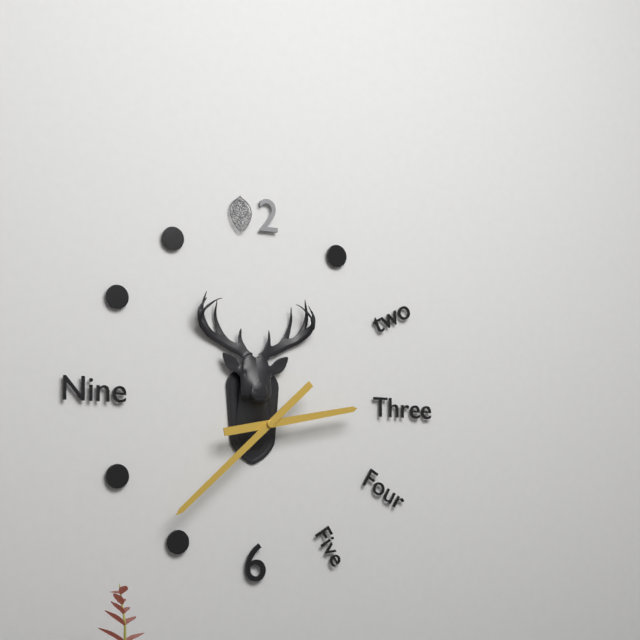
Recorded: 2 h 38 min
